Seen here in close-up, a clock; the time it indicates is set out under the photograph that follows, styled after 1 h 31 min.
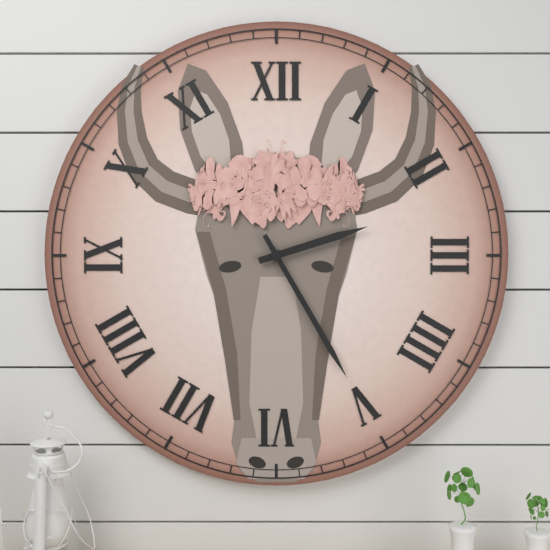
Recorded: 2 h 25 min
